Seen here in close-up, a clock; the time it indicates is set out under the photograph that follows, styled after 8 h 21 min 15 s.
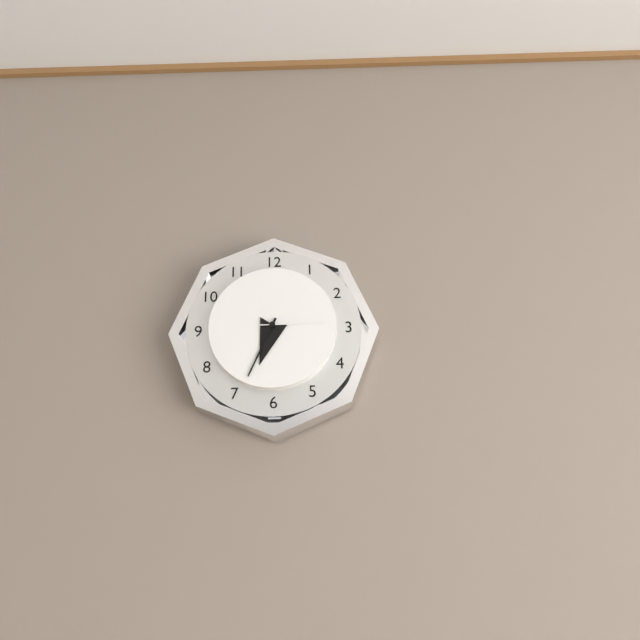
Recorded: 6 h 34 min 15 s
